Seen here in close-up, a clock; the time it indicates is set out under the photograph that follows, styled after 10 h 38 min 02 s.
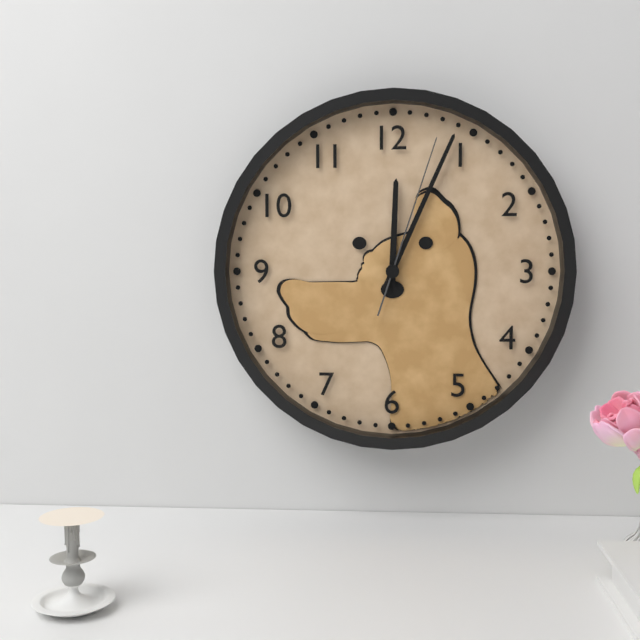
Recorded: 12 h 04 min 03 s
